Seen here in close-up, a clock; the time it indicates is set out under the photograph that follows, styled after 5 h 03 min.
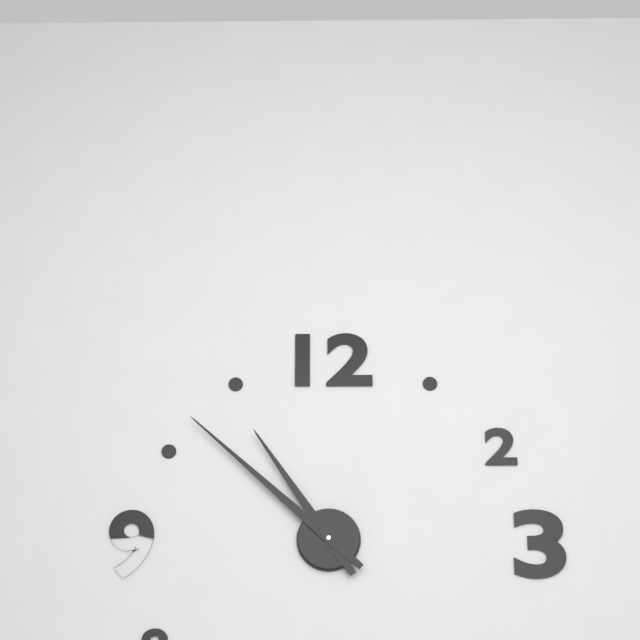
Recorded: 10 h 52 min
